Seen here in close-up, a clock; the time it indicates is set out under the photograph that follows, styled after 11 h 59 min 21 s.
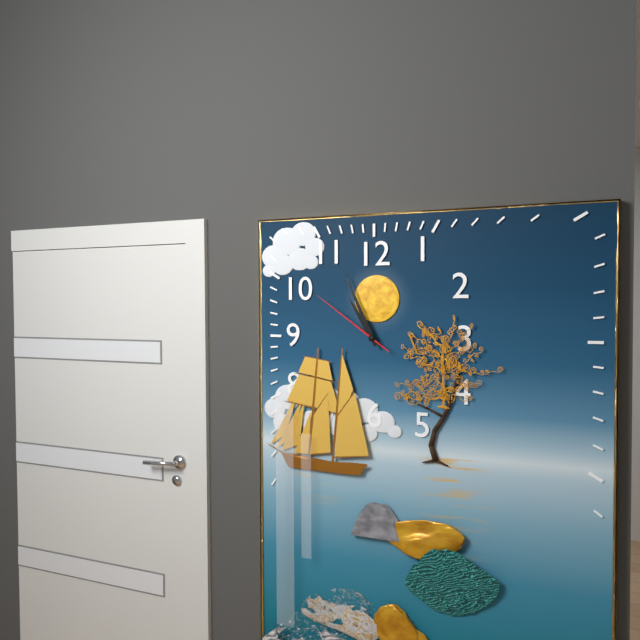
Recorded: 10 h 56 min 51 s
